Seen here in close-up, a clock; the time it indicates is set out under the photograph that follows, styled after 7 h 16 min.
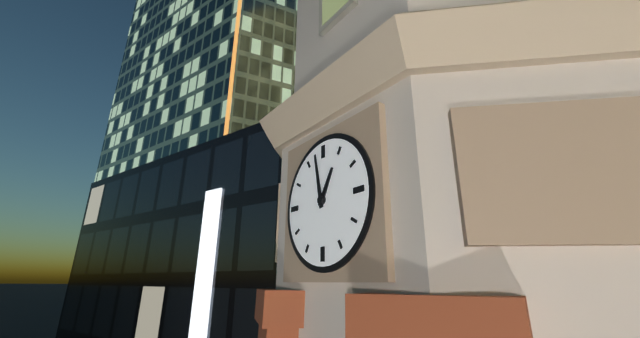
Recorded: 12 h 58 min
